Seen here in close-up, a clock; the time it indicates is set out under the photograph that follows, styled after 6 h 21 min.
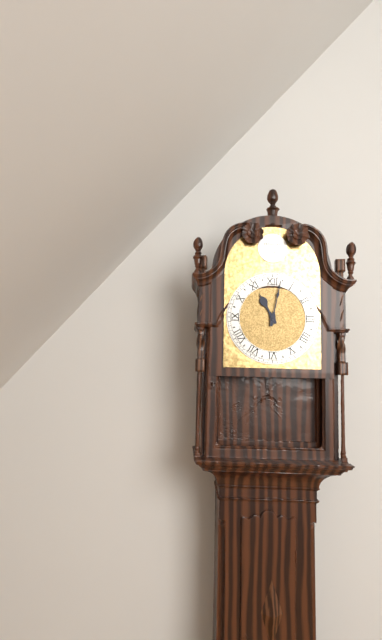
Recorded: 11 h 02 min
